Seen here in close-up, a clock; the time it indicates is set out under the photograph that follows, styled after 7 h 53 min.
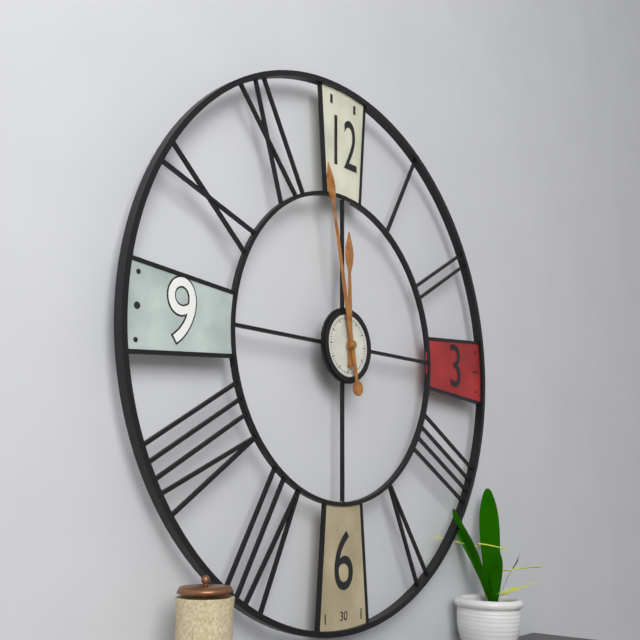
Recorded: 11 h 58 min
